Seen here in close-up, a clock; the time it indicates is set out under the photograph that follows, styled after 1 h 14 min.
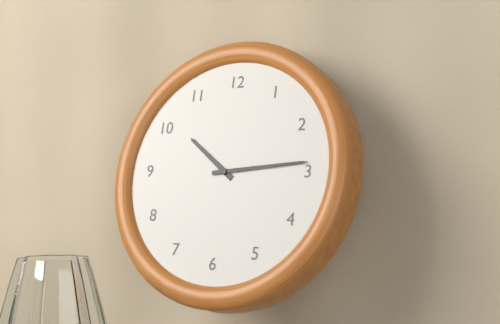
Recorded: 10 h 14 min
